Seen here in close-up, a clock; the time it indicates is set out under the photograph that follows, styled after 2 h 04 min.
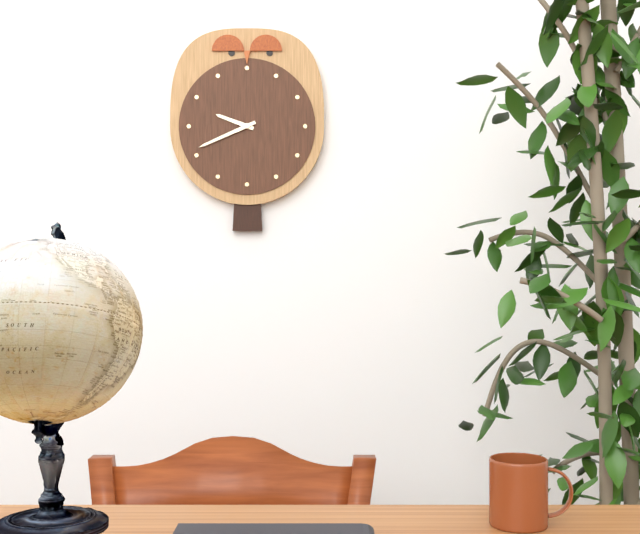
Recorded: 9 h 41 min
